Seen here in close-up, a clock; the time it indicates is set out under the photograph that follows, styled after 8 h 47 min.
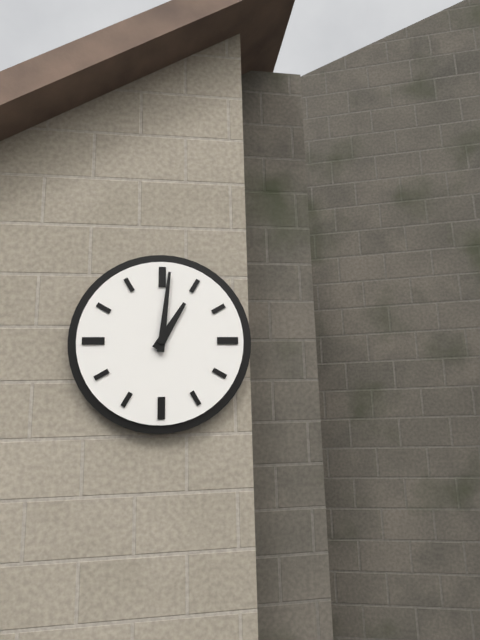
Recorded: 1 h 01 min
